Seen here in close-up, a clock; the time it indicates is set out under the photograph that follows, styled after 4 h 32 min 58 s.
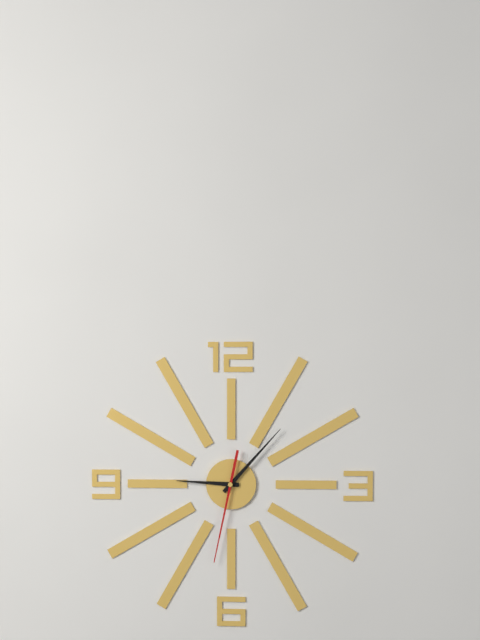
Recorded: 9 h 07 min 32 s
